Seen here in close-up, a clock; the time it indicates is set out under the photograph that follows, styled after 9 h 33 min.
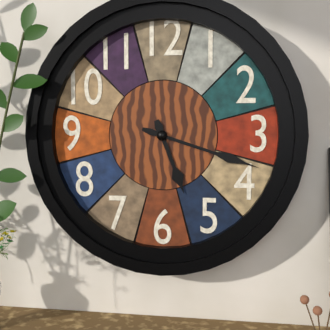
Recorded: 5 h 18 min
